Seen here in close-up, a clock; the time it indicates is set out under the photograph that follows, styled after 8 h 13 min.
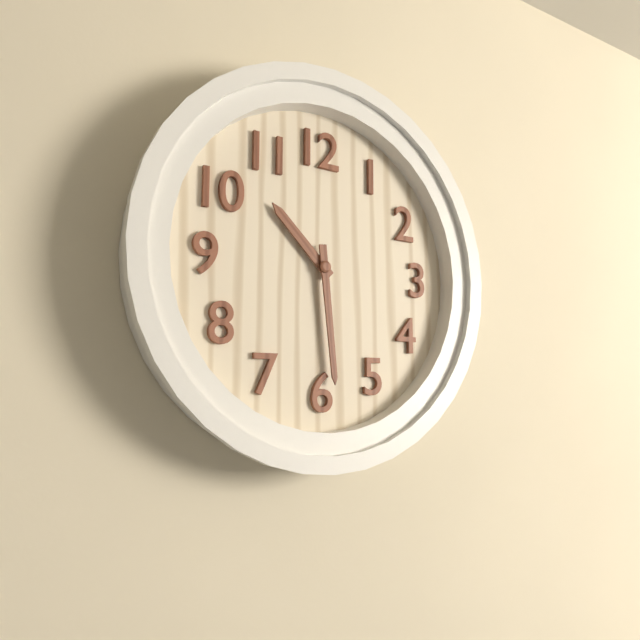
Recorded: 10 h 29 min
